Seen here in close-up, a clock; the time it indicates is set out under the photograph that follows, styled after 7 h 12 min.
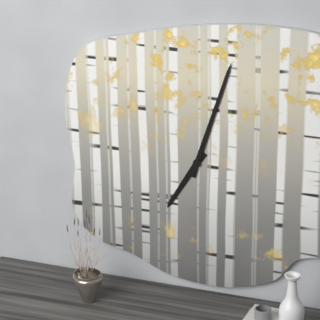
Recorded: 7 h 03 min
